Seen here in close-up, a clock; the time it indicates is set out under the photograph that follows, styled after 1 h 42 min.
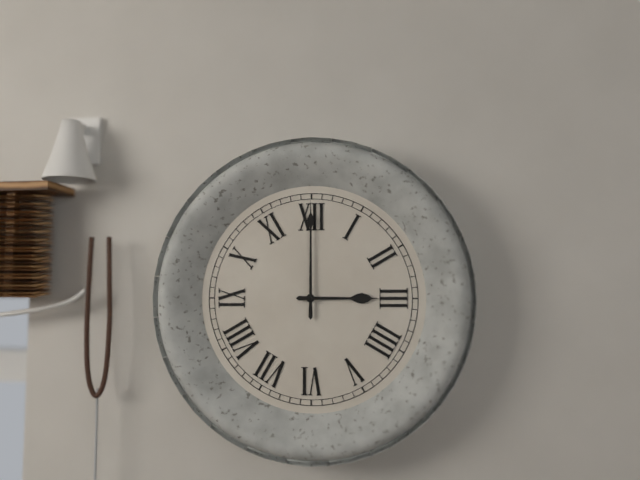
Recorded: 3 h 00 min
